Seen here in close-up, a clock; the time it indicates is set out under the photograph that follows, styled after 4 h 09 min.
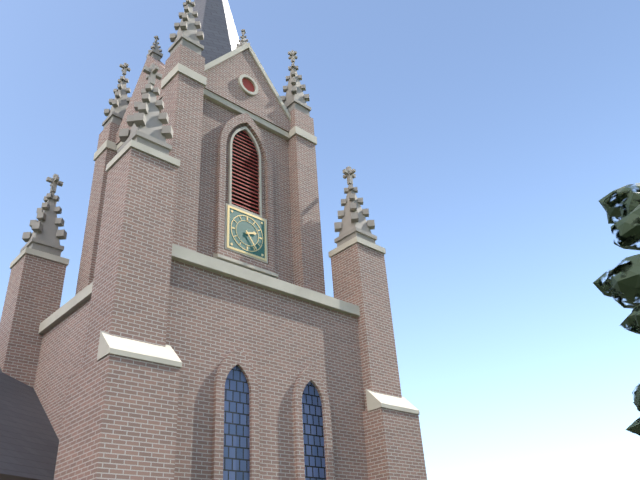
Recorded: 2 h 24 min
